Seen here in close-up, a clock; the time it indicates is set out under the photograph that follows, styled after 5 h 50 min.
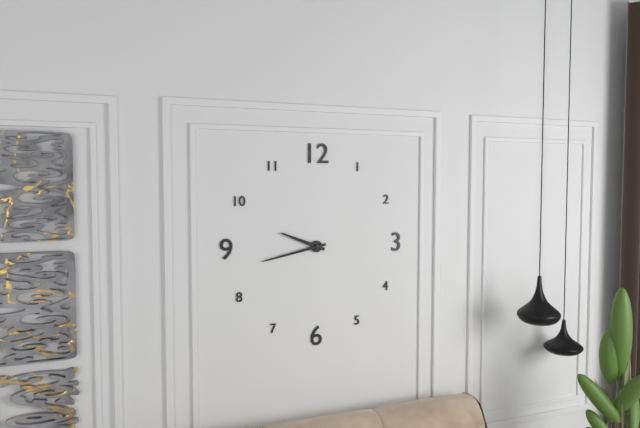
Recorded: 9 h 43 min
